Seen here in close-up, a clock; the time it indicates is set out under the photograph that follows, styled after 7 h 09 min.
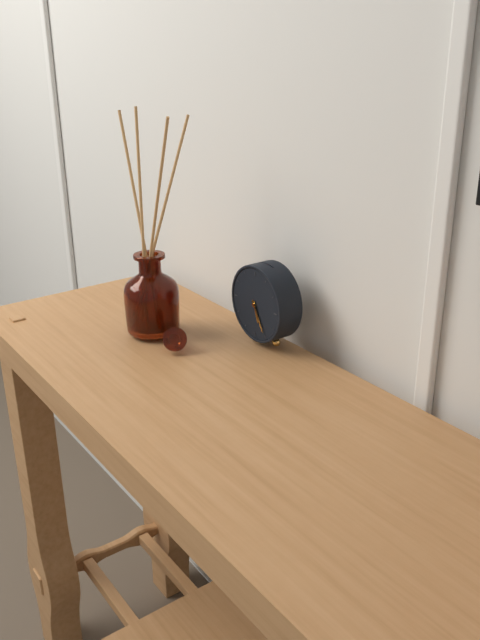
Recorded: 5 h 25 min
